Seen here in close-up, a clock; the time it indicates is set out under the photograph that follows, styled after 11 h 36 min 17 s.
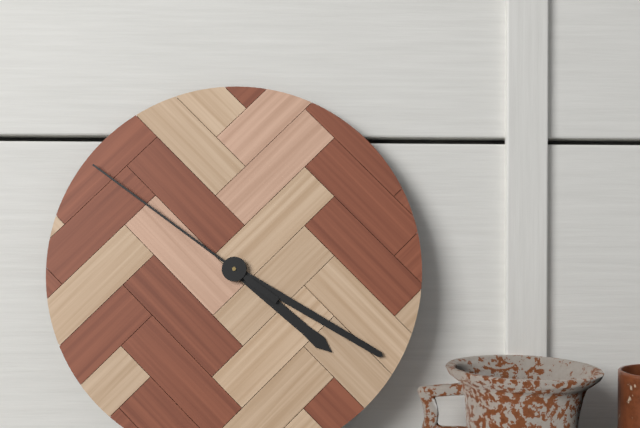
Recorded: 4 h 20 min 51 s
